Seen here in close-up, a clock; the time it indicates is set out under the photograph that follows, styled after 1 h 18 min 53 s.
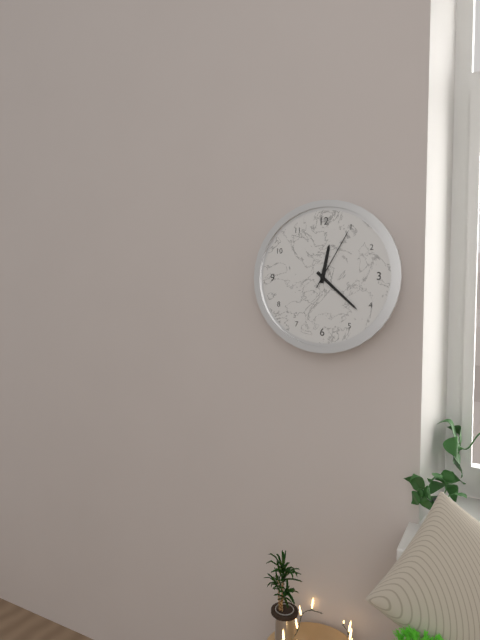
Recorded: 12 h 22 min 05 s
